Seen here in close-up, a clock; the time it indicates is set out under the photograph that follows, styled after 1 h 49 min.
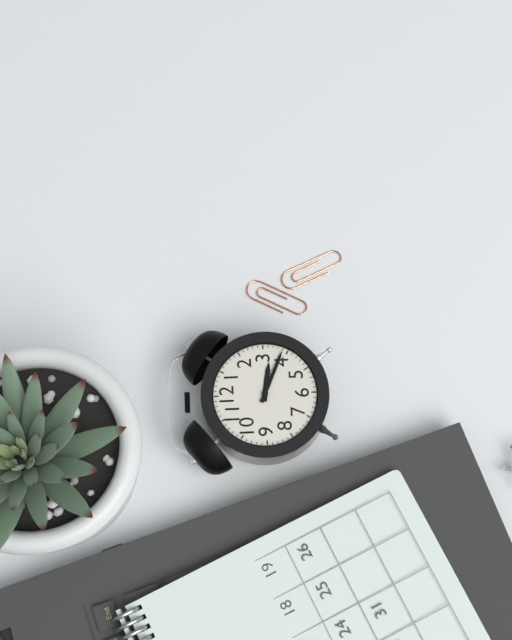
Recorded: 3 h 19 min
